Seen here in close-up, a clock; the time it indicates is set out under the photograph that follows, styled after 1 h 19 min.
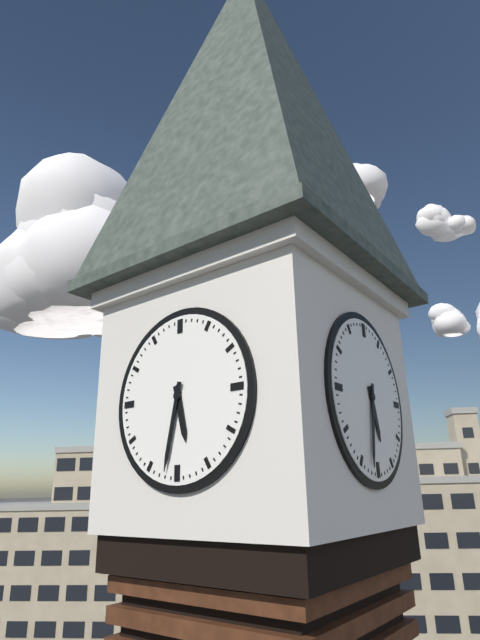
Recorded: 5 h 32 min
